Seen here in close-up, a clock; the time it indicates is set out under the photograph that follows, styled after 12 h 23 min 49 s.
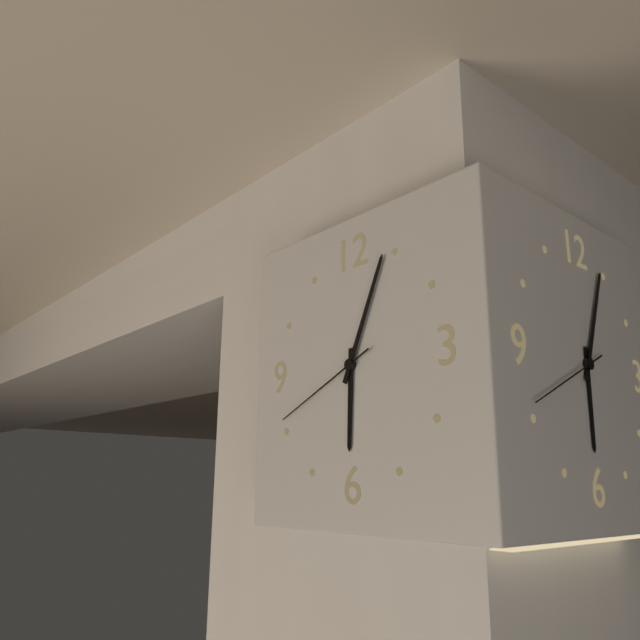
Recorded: 6 h 04 min 41 s
